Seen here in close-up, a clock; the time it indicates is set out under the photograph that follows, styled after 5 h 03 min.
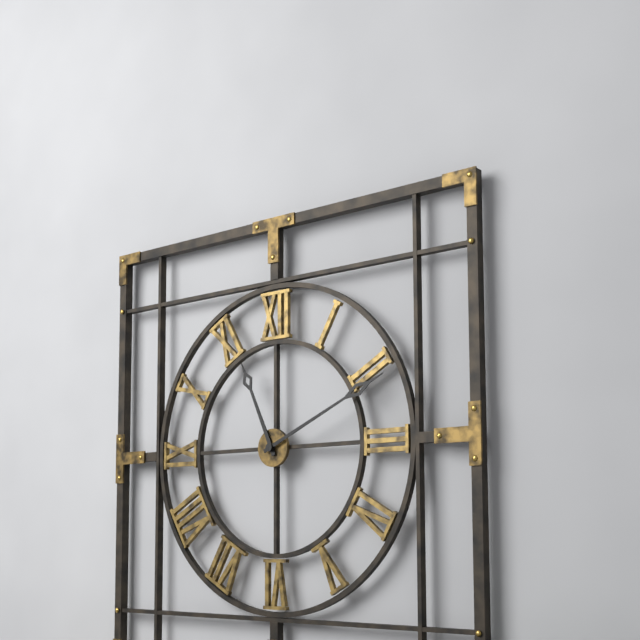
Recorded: 11 h 11 min
